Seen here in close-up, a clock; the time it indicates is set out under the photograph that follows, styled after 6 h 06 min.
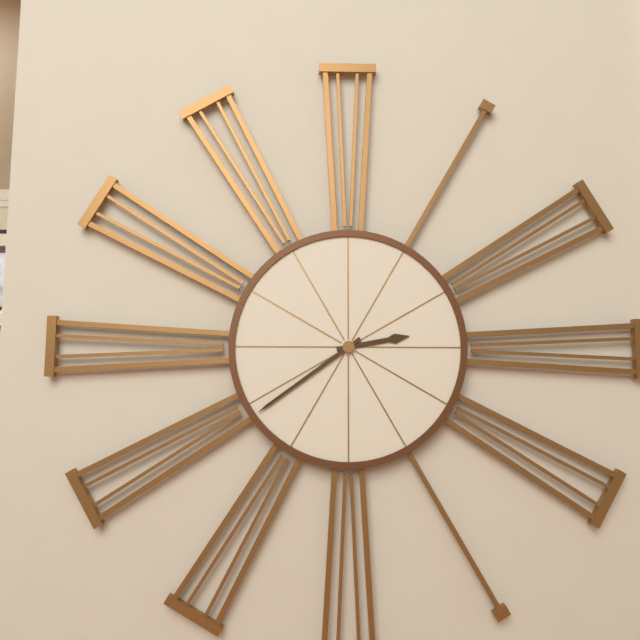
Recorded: 2 h 39 min
